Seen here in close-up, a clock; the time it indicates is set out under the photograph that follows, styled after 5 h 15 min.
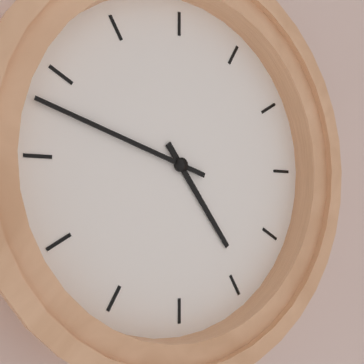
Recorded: 4 h 48 min
